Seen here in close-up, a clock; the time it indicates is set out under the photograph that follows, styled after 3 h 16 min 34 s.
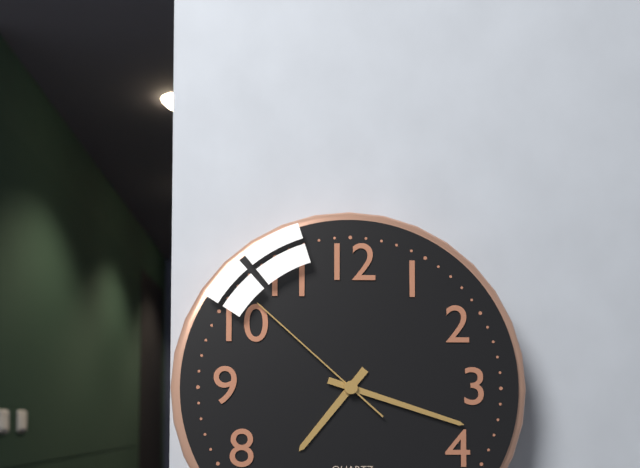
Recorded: 7 h 18 min 52 s
